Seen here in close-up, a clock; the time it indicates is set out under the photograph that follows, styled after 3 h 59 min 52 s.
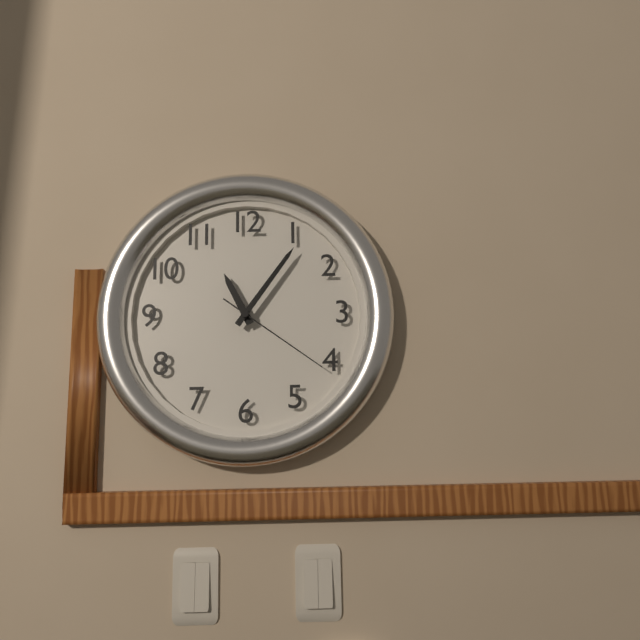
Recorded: 11 h 06 min 21 s
